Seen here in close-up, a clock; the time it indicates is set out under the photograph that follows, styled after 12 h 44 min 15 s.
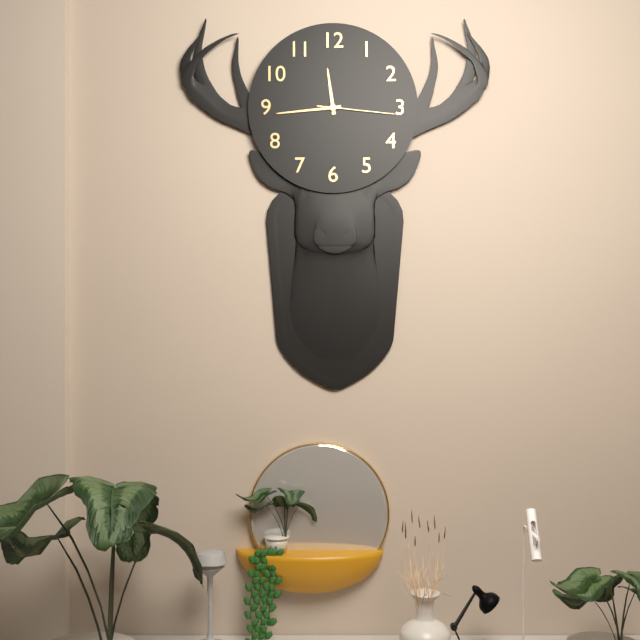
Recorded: 11 h 44 min 16 s
